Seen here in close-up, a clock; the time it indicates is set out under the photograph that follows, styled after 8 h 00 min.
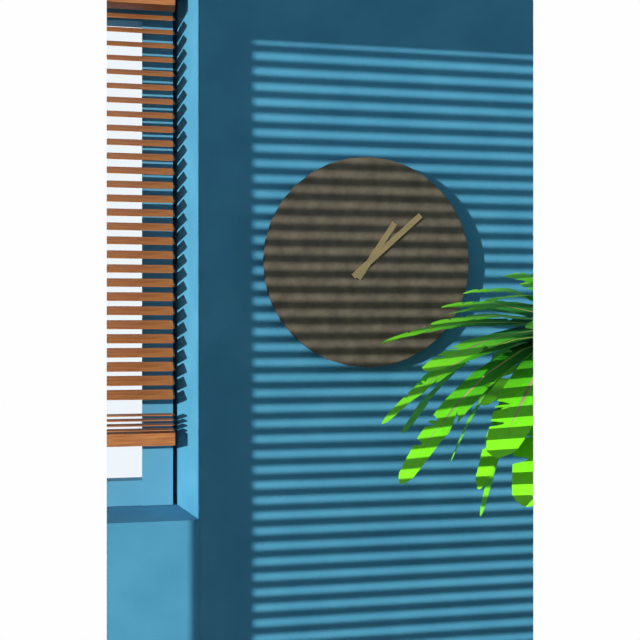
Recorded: 1 h 08 min
